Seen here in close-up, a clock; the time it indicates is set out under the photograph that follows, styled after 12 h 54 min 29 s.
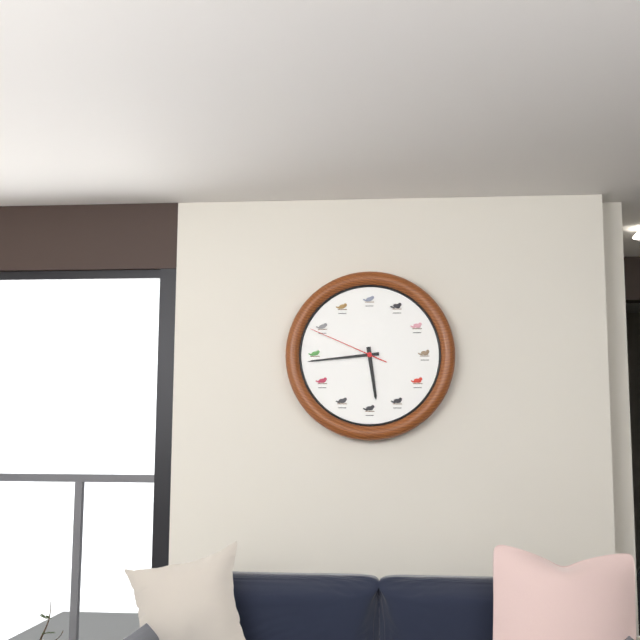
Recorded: 5 h 44 min 49 s
